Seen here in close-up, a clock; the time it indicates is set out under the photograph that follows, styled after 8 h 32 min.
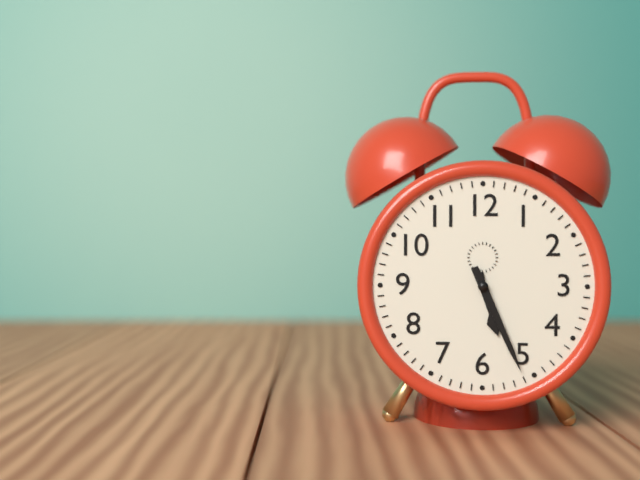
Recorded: 5 h 26 min
